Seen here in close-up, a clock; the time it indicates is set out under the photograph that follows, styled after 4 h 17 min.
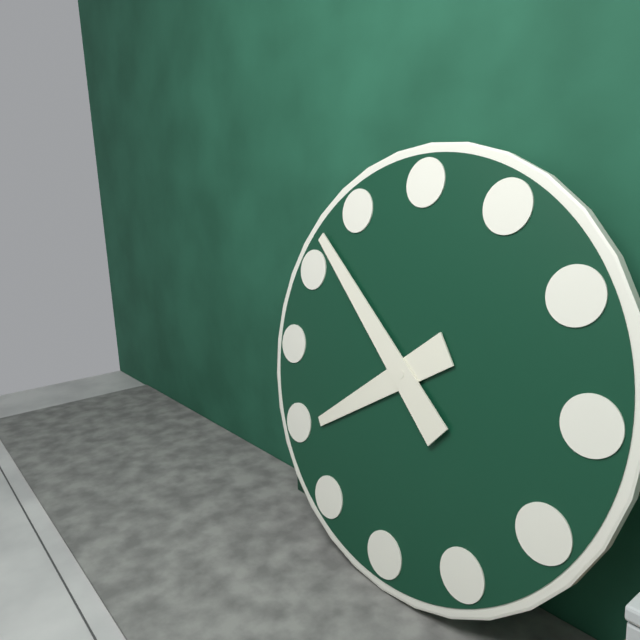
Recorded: 7 h 52 min
